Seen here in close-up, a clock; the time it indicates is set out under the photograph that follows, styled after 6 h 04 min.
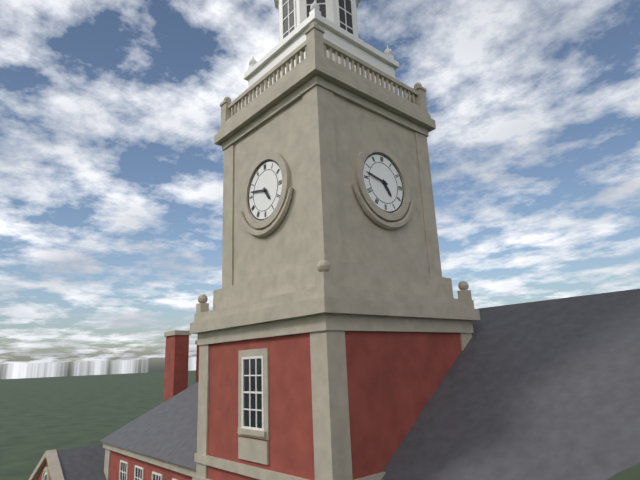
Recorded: 4 h 47 min
